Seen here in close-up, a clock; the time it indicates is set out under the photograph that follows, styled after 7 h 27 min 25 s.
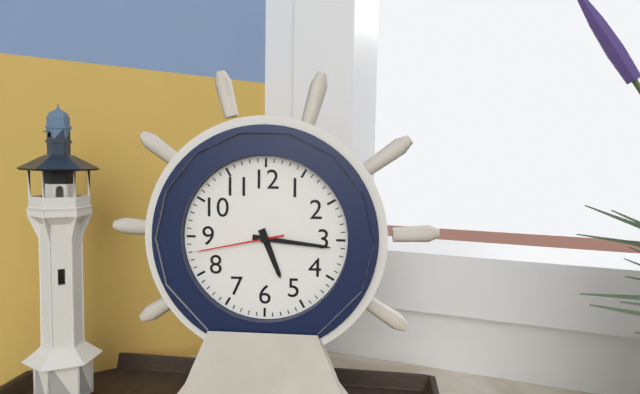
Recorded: 5 h 16 min 43 s
